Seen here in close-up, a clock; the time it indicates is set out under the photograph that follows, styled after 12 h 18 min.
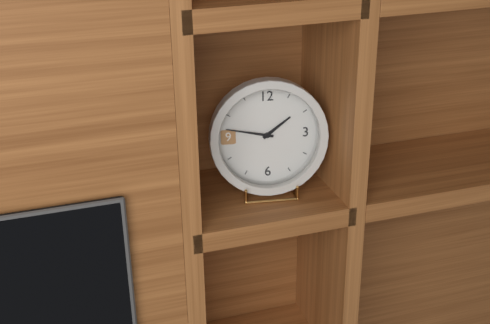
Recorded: 1 h 47 min
